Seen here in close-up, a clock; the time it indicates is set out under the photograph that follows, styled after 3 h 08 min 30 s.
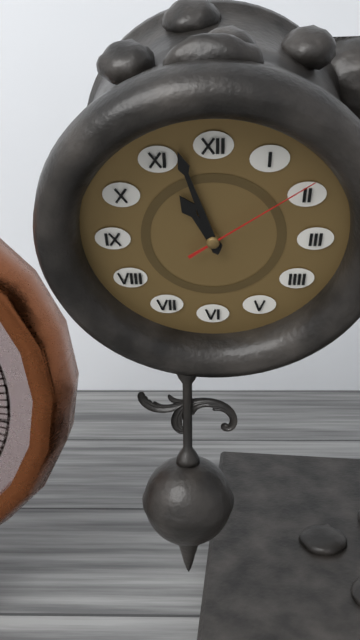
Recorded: 10 h 57 min 09 s
